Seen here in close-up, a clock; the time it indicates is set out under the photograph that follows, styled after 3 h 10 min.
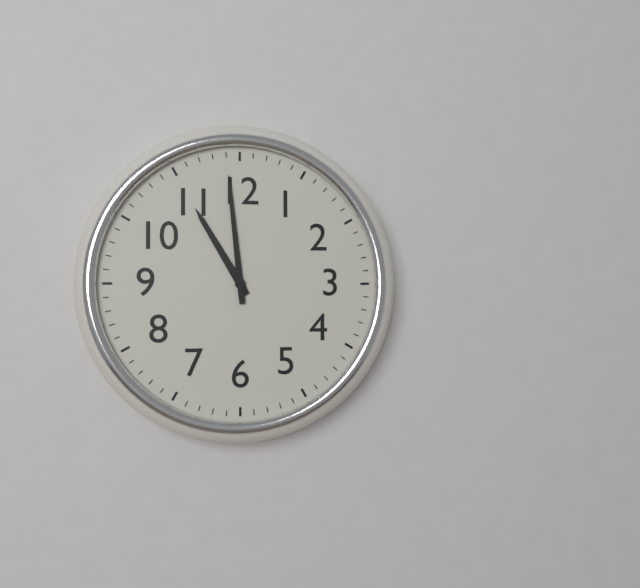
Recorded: 10 h 59 min
